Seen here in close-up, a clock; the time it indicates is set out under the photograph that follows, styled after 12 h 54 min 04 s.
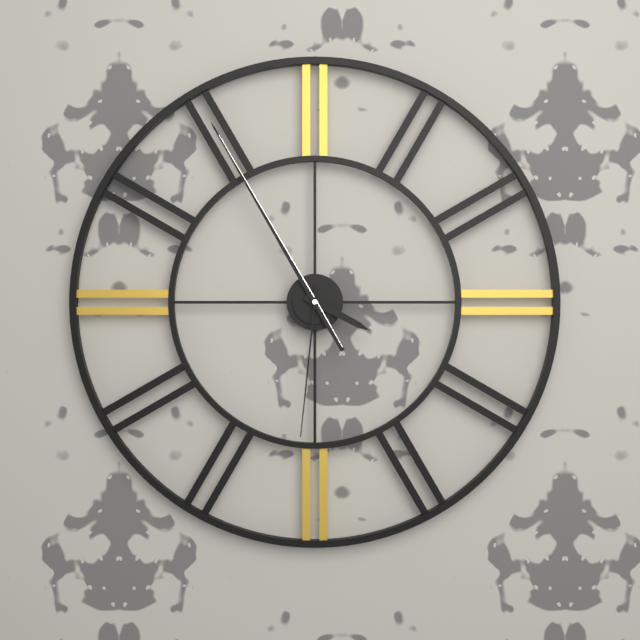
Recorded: 3 h 55 min 31 s
